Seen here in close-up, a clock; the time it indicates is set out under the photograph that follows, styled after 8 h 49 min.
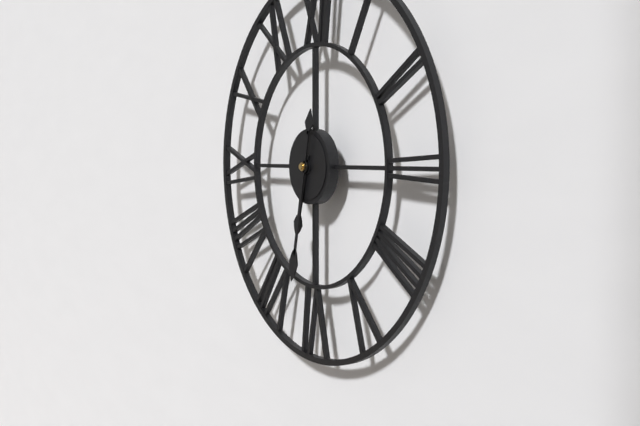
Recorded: 6 h 32 min
